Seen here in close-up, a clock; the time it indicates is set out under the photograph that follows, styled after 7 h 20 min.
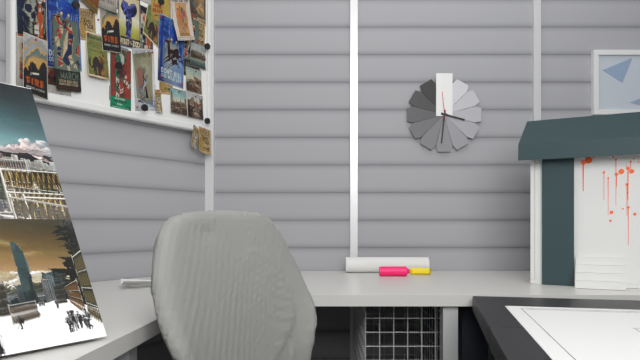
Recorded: 3 h 31 min
